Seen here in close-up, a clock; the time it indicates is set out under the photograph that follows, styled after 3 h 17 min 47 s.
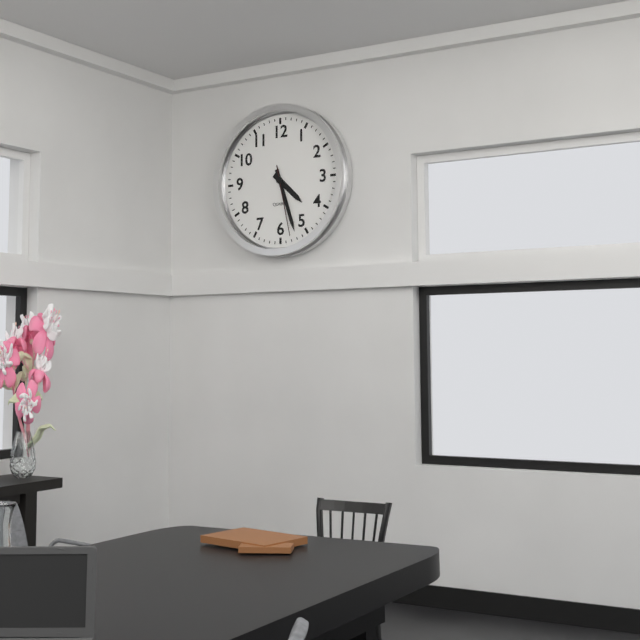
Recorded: 4 h 27 min 28 s
